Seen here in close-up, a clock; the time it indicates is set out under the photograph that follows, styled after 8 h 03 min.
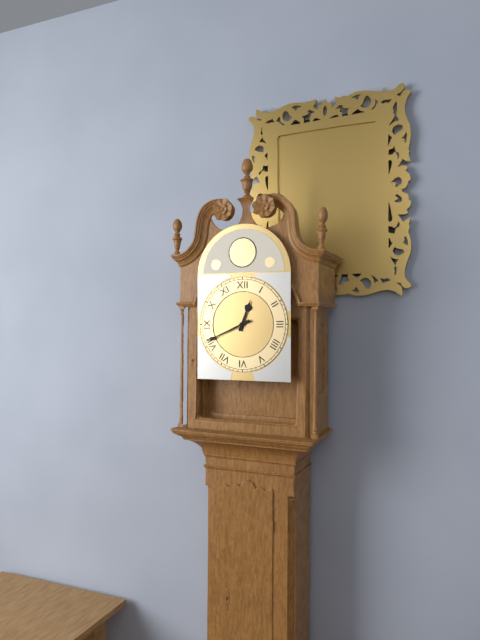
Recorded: 12 h 41 min
